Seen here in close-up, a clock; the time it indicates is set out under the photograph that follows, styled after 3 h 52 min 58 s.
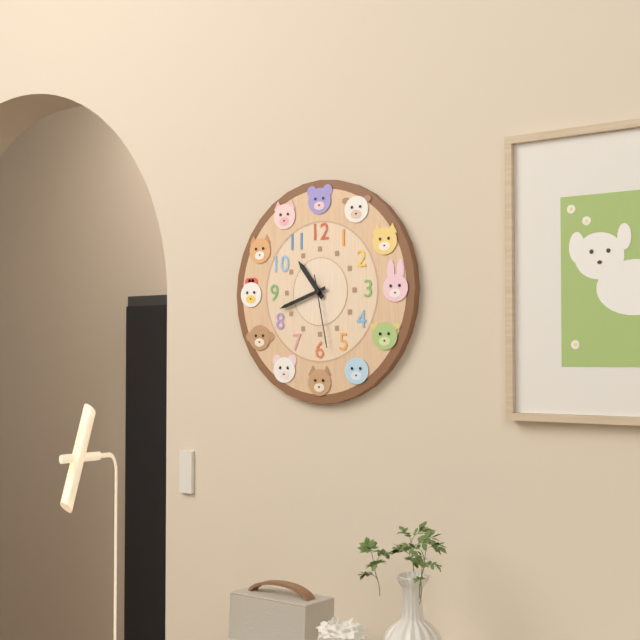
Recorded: 10 h 42 min 28 s
